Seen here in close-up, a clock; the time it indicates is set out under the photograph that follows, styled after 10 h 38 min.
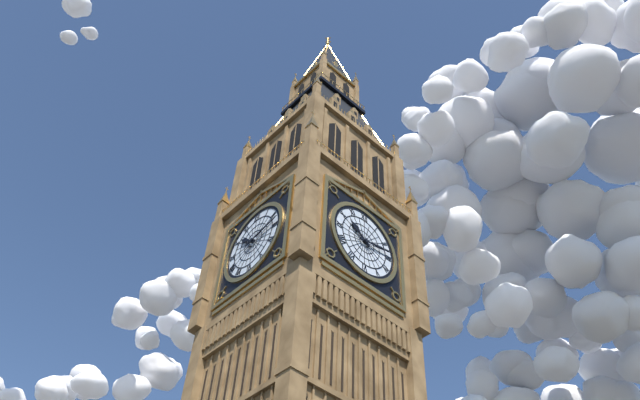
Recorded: 10 h 13 min
